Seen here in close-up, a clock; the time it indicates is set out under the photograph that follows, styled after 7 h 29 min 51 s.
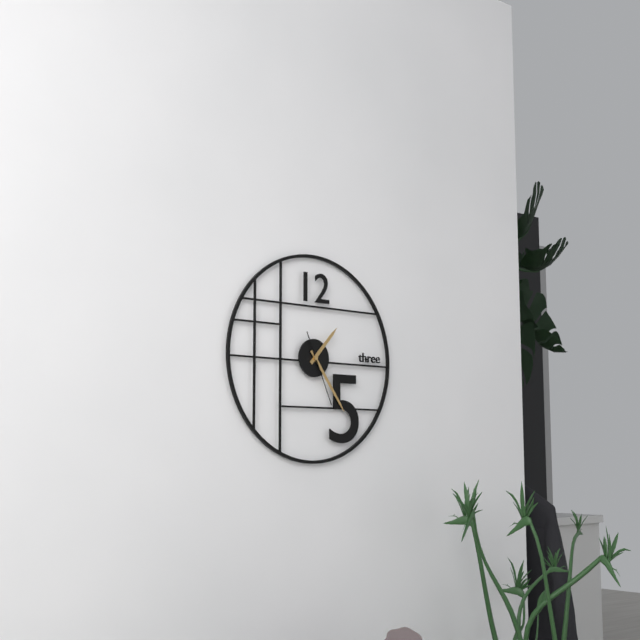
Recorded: 1 h 24 min 26 s
